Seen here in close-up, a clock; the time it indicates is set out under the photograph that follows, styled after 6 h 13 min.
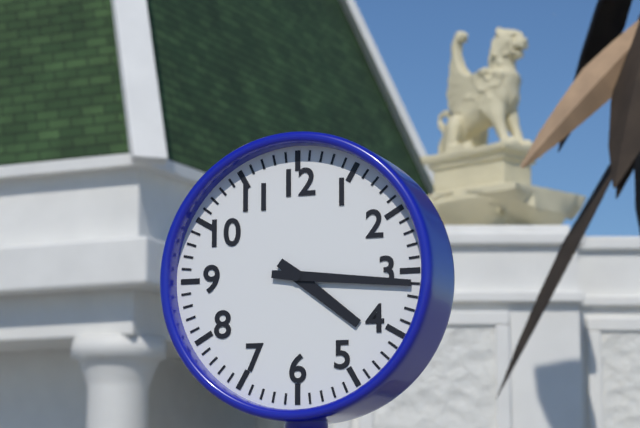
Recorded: 4 h 16 min
